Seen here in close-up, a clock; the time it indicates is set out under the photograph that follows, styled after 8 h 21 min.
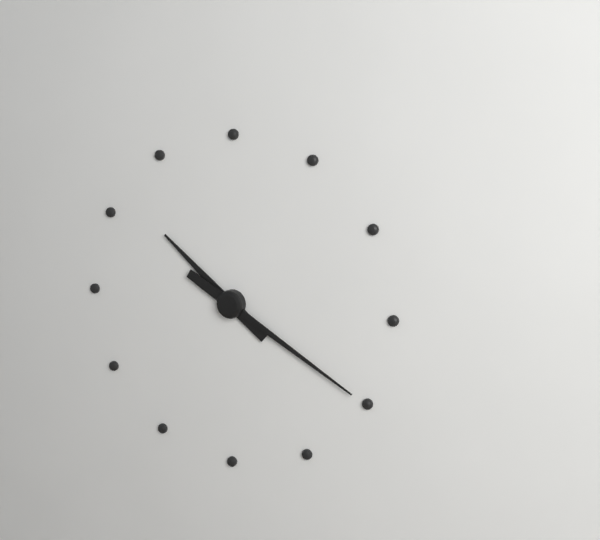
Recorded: 10 h 20 min
